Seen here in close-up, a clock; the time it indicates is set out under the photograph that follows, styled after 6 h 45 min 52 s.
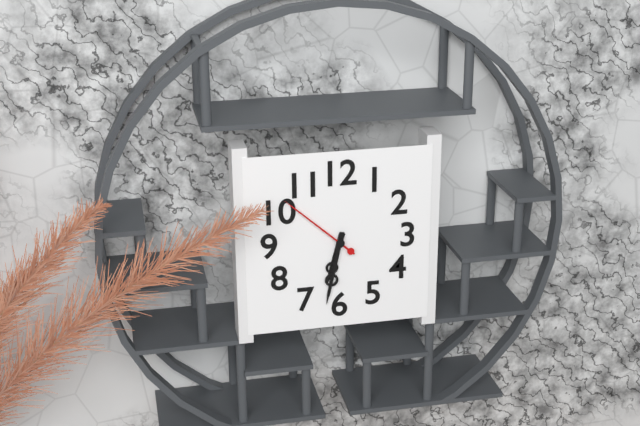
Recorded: 6 h 32 min 52 s
